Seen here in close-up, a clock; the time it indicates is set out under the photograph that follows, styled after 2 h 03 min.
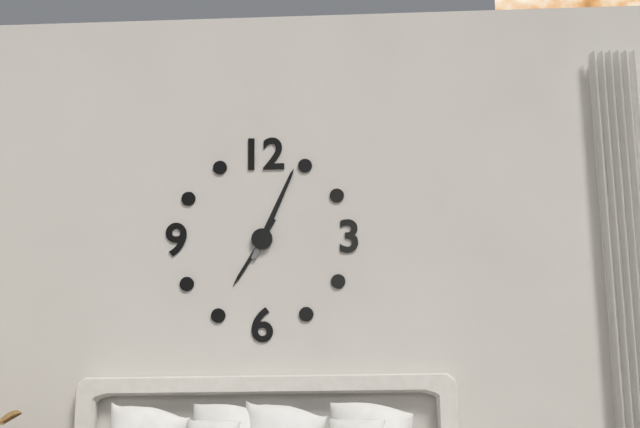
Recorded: 7 h 04 min
